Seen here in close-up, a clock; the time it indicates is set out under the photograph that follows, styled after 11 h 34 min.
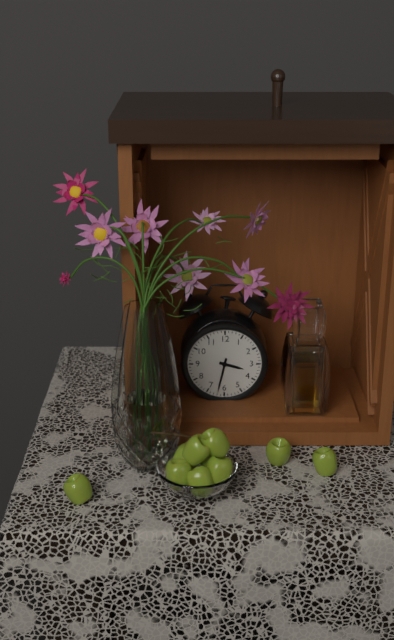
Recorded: 3 h 32 min
